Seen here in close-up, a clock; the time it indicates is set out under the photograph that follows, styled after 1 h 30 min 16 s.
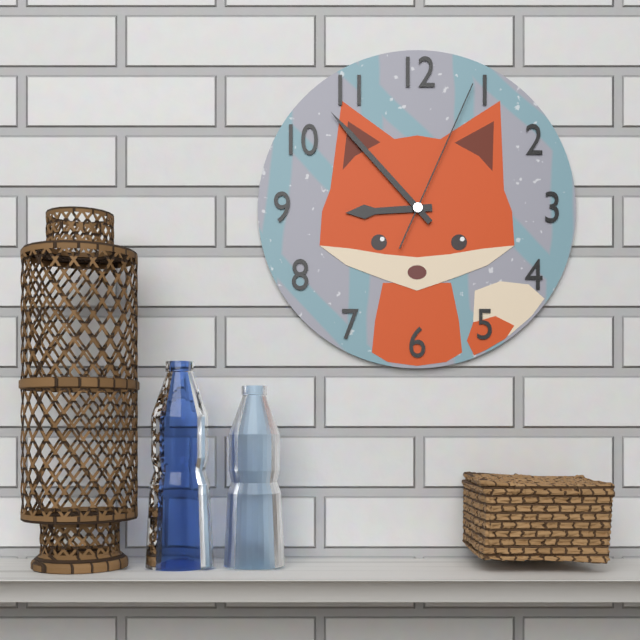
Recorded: 8 h 53 min 04 s
